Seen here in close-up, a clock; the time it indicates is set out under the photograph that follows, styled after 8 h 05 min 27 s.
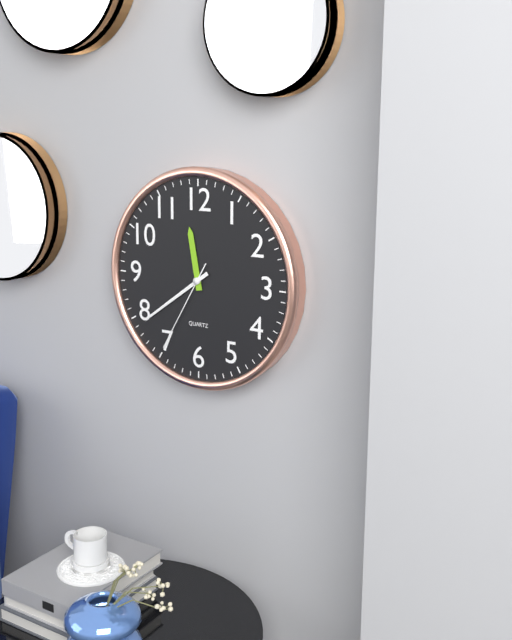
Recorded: 11 h 39 min 35 s
